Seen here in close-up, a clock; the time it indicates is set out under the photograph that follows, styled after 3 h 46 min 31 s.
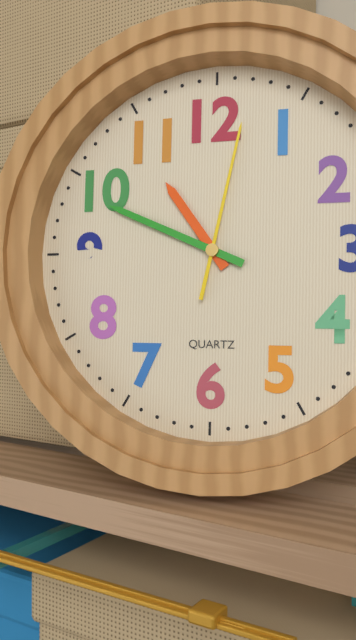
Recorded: 10 h 49 min 02 s
